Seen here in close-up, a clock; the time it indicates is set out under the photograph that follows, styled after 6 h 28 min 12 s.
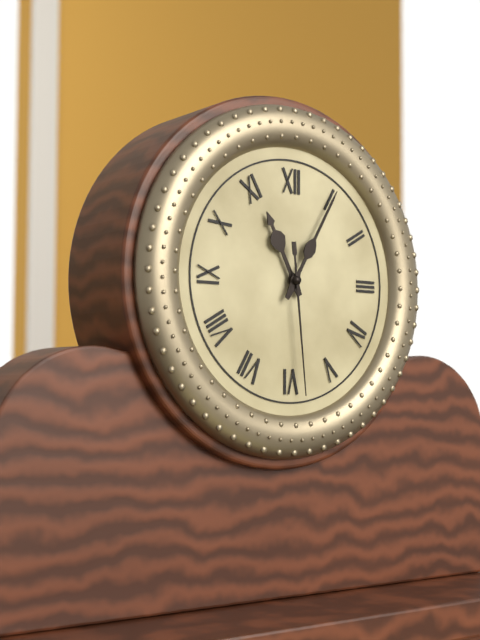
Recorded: 11 h 05 min 29 s
